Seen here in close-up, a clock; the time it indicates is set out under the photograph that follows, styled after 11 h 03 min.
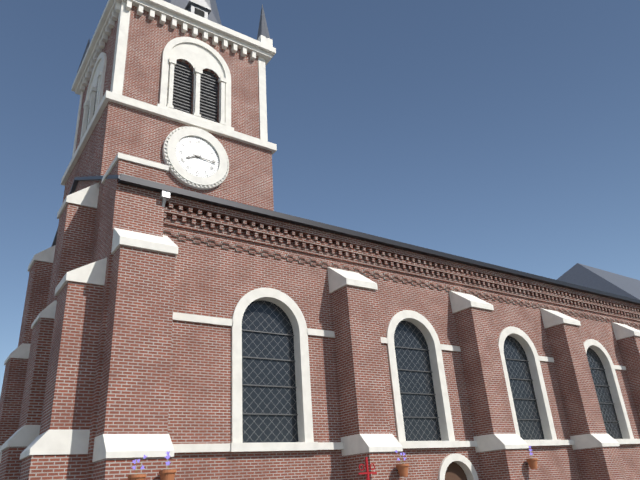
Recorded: 8 h 16 min
